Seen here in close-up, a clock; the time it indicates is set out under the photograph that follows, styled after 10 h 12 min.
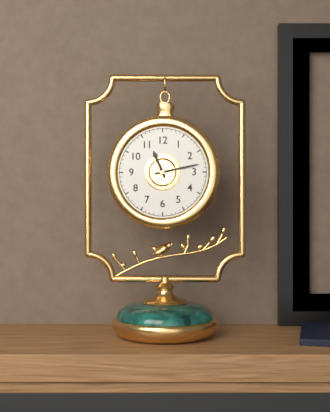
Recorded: 11 h 13 min
